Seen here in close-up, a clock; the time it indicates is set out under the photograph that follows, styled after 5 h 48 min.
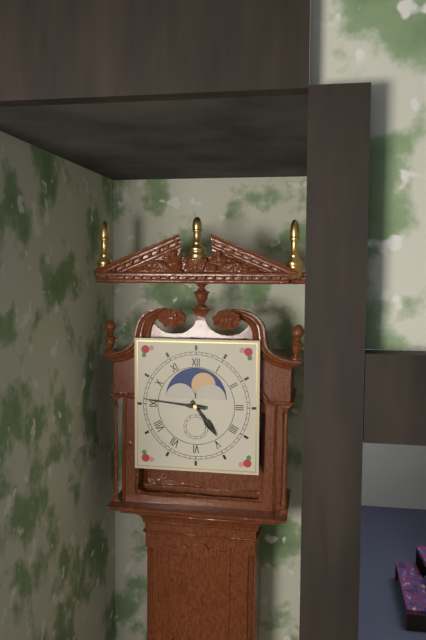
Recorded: 4 h 46 min
